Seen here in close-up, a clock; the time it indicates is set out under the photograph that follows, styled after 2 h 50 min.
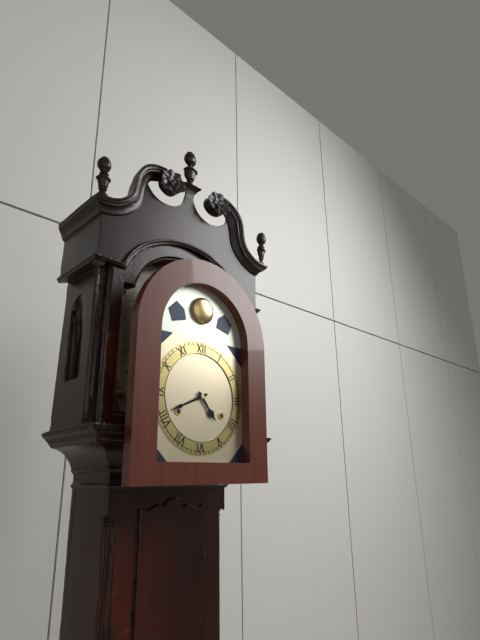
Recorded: 4 h 41 min
